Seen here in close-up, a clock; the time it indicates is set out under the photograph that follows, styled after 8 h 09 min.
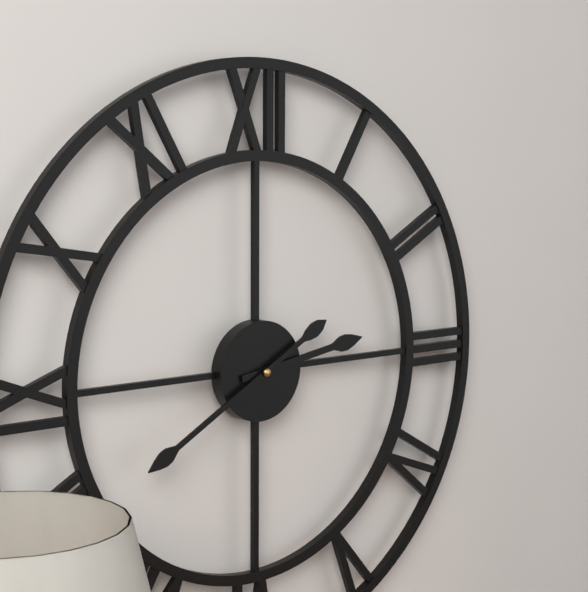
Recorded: 2 h 40 min
